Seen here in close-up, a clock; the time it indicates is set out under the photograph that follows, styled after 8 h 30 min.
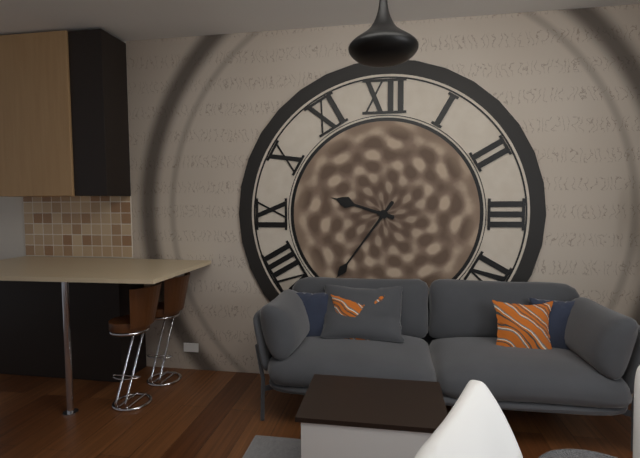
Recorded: 9 h 36 min
